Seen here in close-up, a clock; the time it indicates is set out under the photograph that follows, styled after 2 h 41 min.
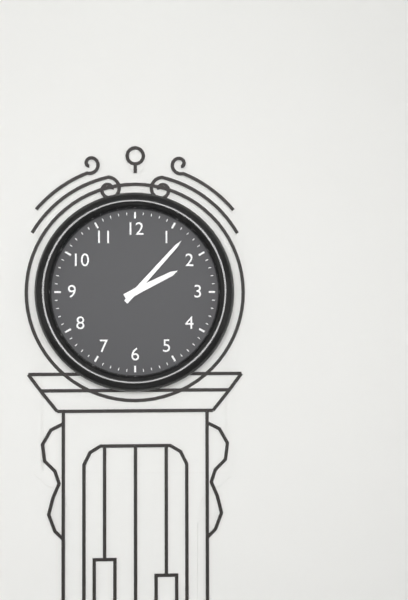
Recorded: 2 h 07 min
